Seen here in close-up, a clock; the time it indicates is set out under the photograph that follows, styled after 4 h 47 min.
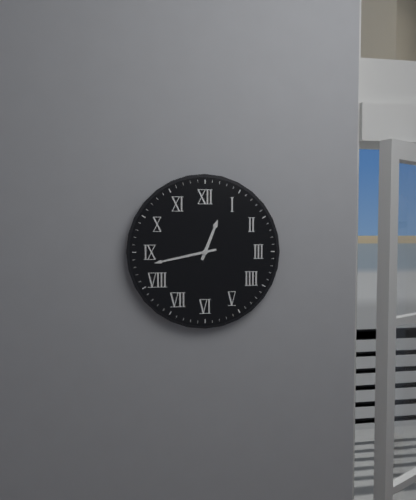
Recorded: 12 h 43 min
